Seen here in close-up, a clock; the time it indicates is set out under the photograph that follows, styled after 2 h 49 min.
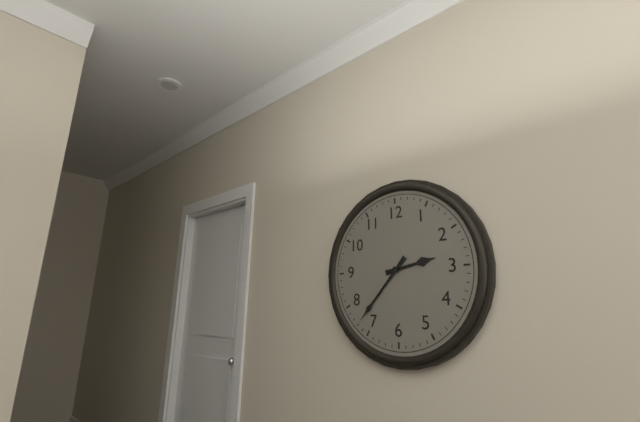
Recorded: 2 h 37 min
